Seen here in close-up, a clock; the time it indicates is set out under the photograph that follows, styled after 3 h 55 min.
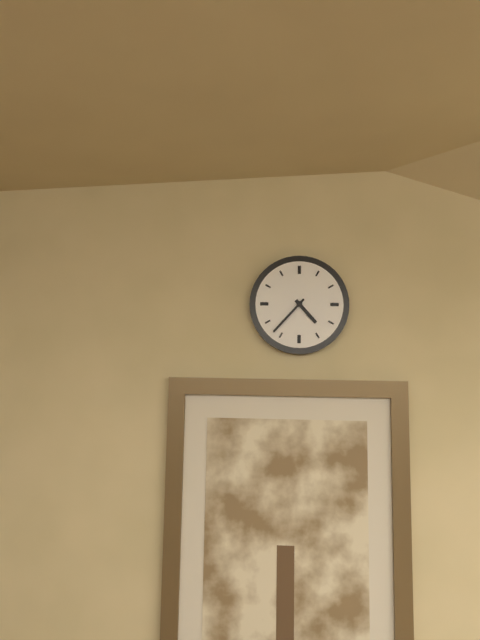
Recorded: 4 h 37 min
